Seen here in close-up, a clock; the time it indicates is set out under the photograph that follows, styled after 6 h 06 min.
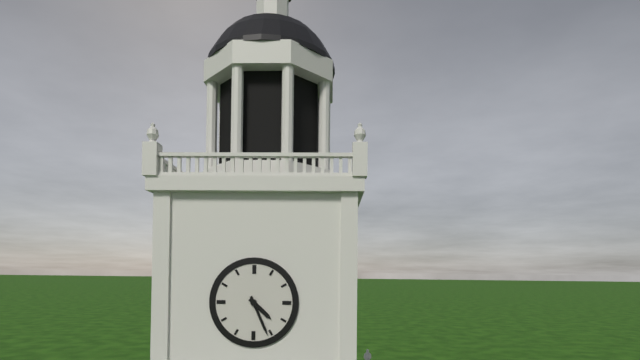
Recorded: 4 h 26 min
